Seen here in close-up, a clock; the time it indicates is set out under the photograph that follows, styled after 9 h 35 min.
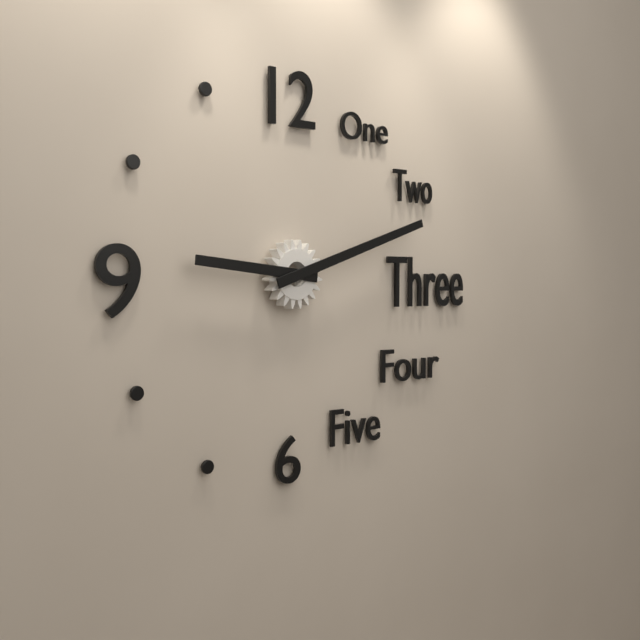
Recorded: 9 h 12 min
